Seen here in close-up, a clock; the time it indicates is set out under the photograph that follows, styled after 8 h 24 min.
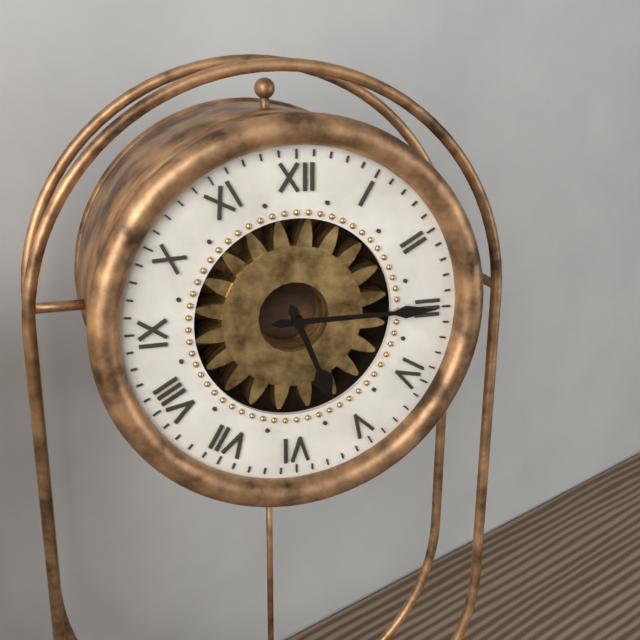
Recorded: 5 h 15 min
